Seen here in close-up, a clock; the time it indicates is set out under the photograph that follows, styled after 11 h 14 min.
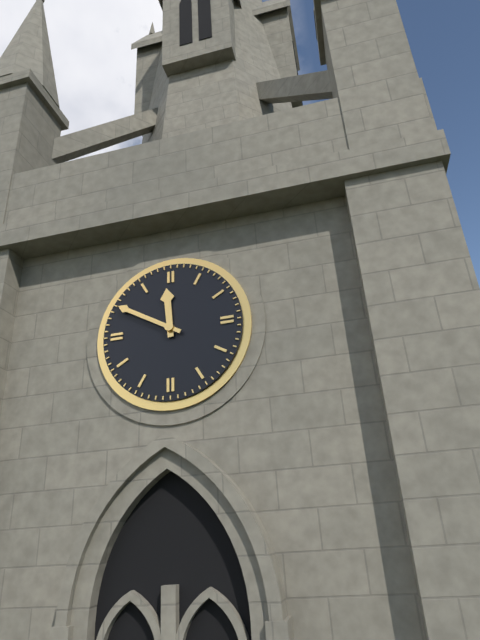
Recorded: 11 h 50 min
